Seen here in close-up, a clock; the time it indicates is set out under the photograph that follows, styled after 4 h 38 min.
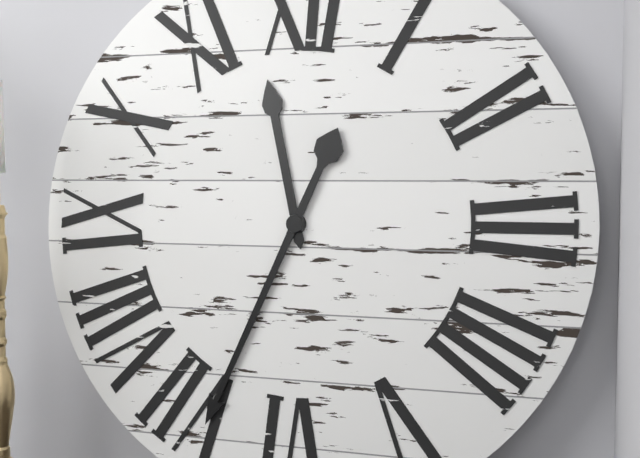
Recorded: 11 h 34 min
